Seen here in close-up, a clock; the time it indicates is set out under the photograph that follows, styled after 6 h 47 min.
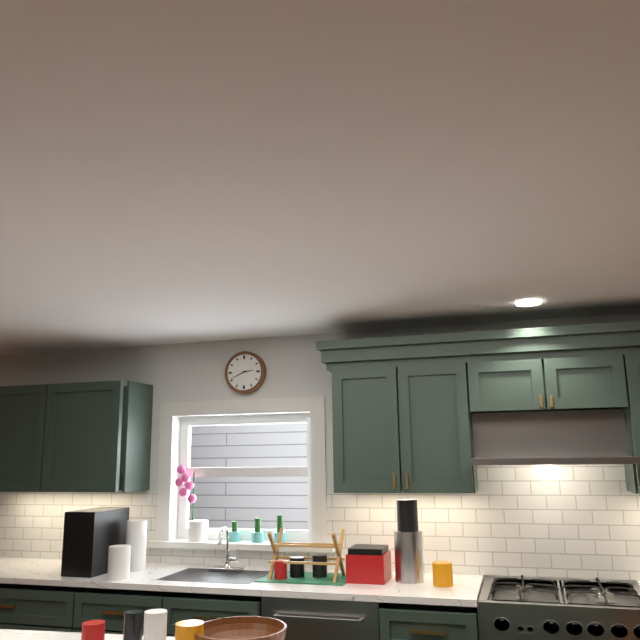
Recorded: 2 h 41 min
